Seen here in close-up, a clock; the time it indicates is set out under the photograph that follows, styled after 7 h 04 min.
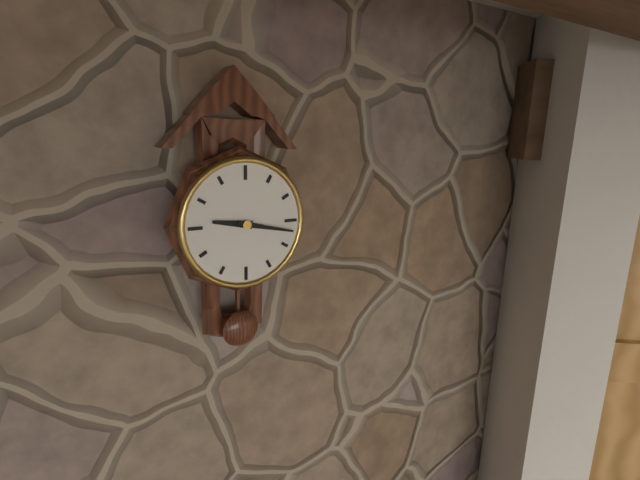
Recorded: 9 h 17 min
